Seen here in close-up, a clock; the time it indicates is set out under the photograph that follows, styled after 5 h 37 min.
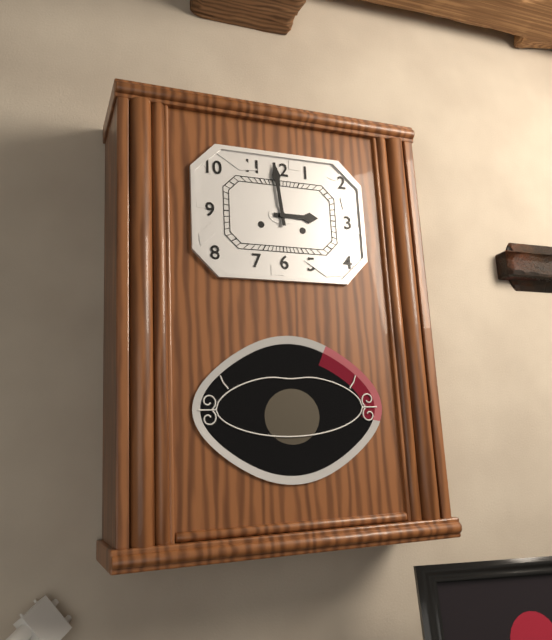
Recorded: 2 h 59 min
